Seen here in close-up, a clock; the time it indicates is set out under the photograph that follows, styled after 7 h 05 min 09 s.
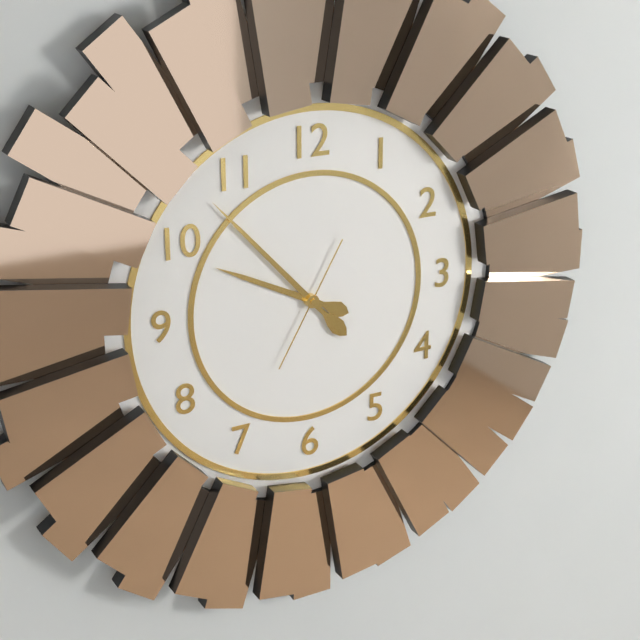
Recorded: 9 h 53 min 35 s
